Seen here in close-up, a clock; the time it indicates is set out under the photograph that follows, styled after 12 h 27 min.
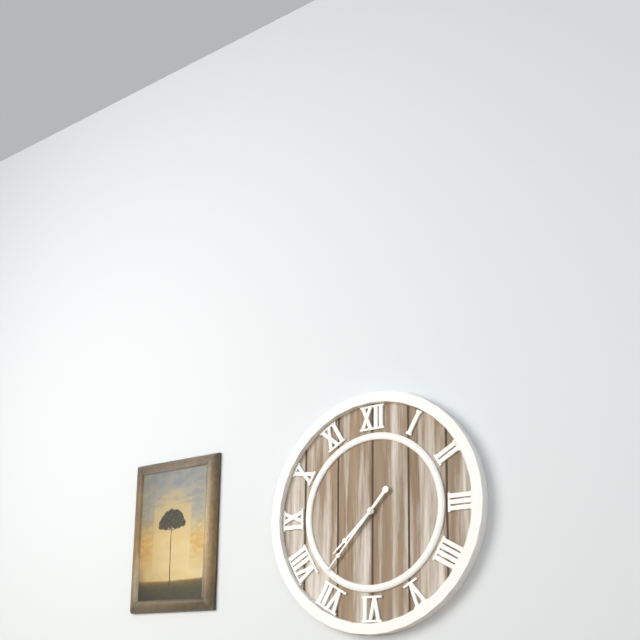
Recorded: 7 h 37 min
